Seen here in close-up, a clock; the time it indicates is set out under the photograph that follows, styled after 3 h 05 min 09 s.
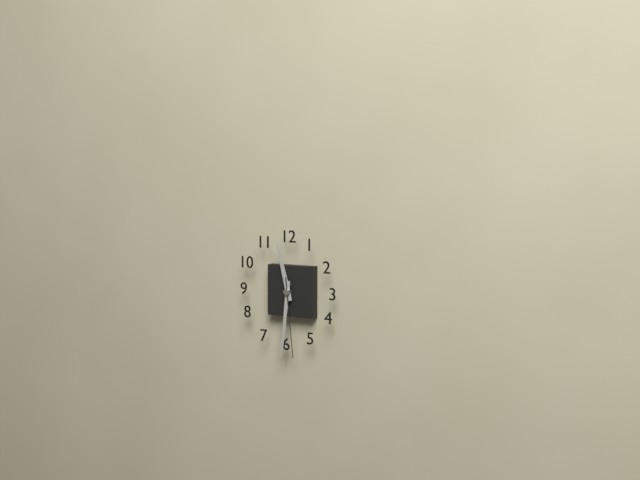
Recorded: 11 h 31 min 29 s
